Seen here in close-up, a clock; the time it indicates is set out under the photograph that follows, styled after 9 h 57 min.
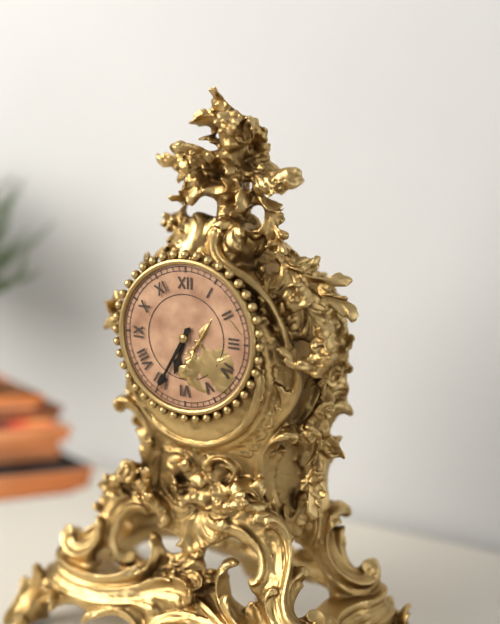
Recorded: 6 h 35 min
